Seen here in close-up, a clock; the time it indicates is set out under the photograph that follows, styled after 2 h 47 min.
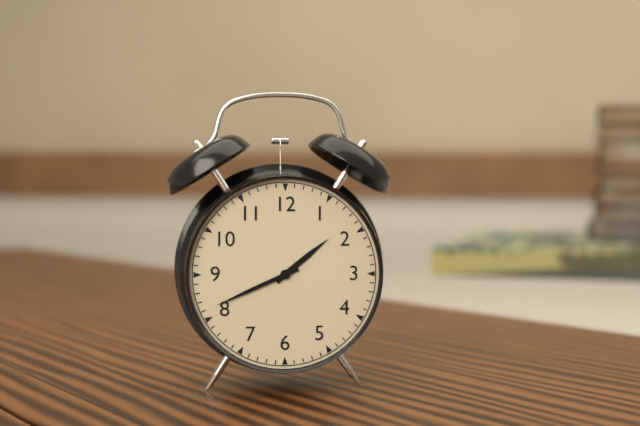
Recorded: 1 h 41 min
